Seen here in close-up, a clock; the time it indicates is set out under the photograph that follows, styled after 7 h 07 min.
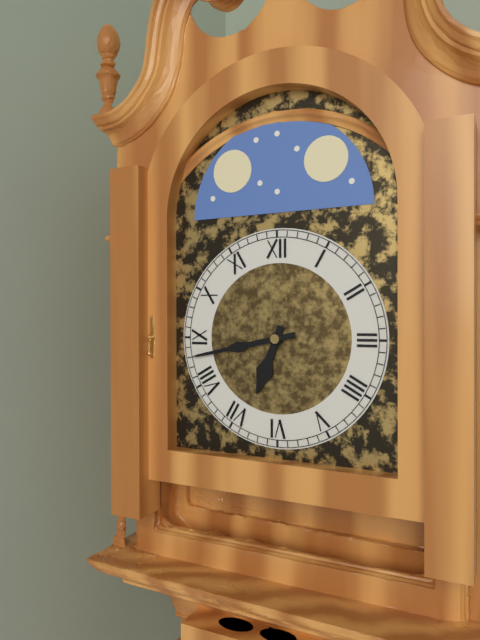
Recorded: 6 h 43 min
